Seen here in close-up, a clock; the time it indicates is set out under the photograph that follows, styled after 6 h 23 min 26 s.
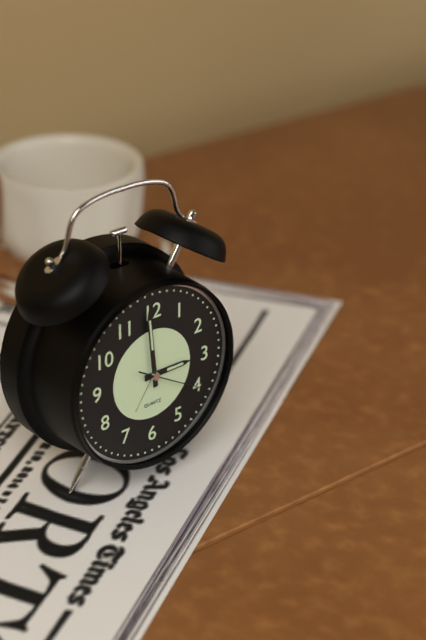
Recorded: 2 h 59 min 20 s
